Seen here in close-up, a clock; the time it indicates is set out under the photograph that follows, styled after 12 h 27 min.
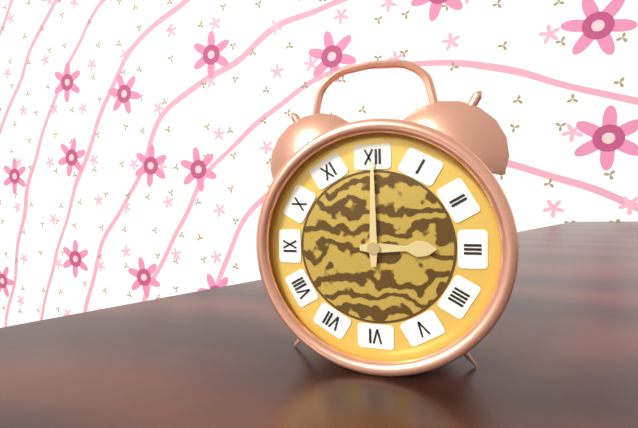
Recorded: 3 h 00 min
